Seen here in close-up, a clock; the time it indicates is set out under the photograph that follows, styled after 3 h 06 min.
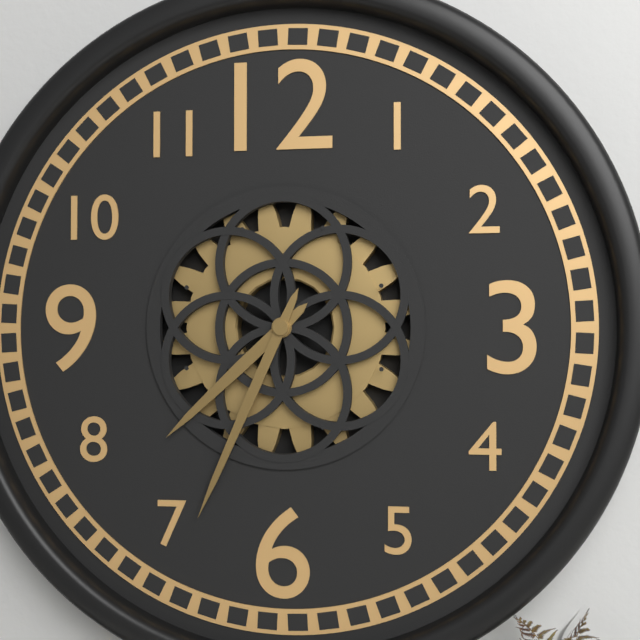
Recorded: 7 h 34 min
